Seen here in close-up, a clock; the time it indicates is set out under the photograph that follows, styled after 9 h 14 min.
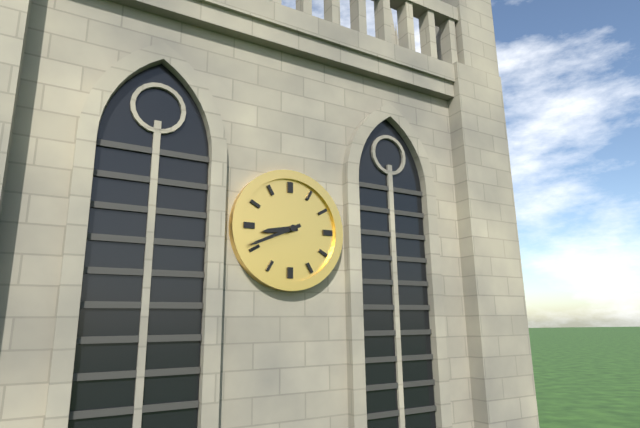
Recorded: 8 h 41 min
